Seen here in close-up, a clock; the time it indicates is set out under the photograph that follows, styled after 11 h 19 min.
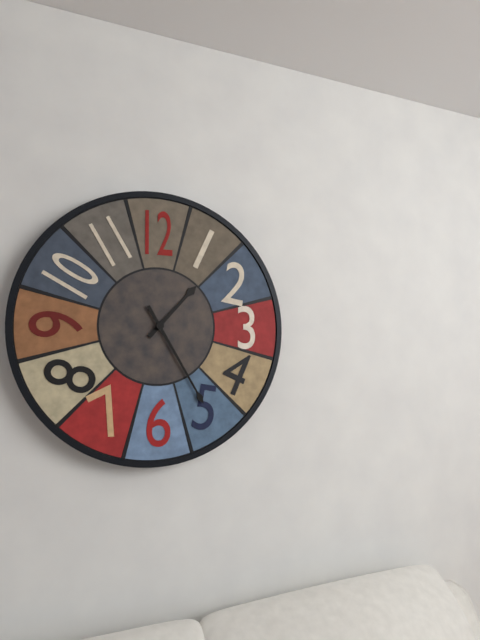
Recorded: 1 h 25 min
